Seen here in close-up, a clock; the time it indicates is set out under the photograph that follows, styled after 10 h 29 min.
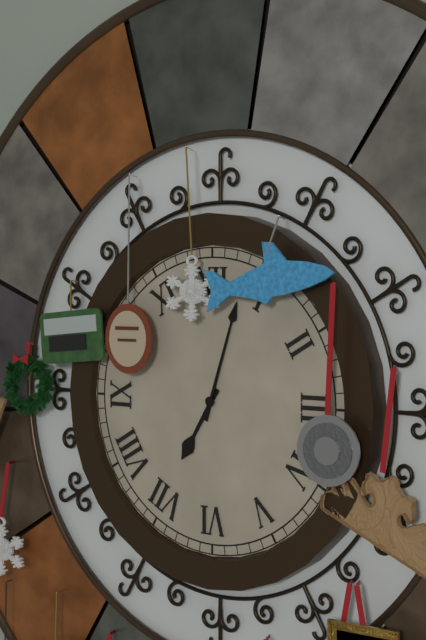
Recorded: 7 h 03 min
